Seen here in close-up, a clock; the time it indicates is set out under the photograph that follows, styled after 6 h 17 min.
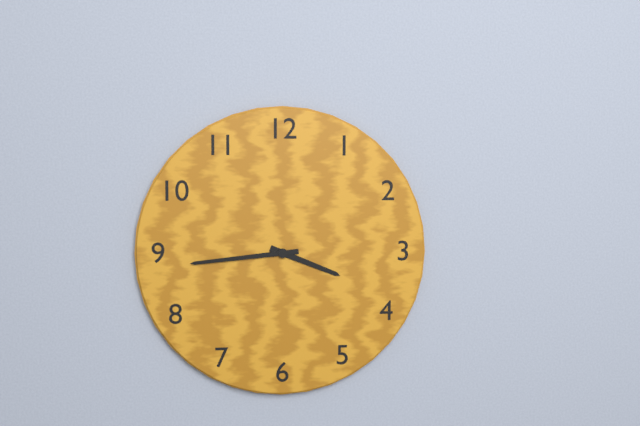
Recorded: 3 h 44 min
